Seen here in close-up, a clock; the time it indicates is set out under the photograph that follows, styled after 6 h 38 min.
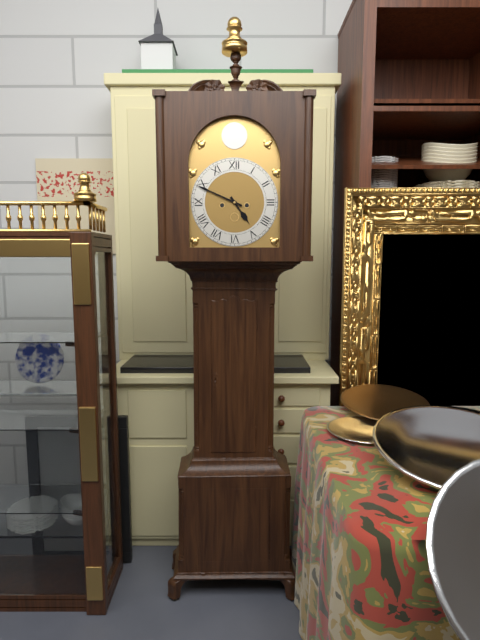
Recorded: 4 h 49 min
